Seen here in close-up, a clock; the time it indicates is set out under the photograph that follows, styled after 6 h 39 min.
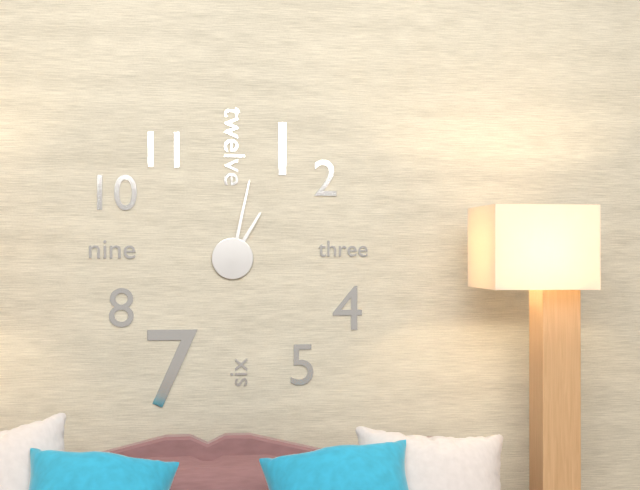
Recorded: 1 h 02 min
